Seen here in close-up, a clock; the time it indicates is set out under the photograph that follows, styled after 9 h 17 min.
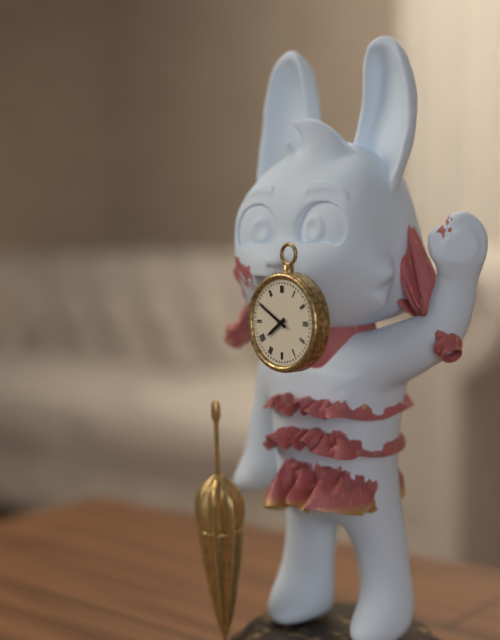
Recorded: 7 h 50 min
